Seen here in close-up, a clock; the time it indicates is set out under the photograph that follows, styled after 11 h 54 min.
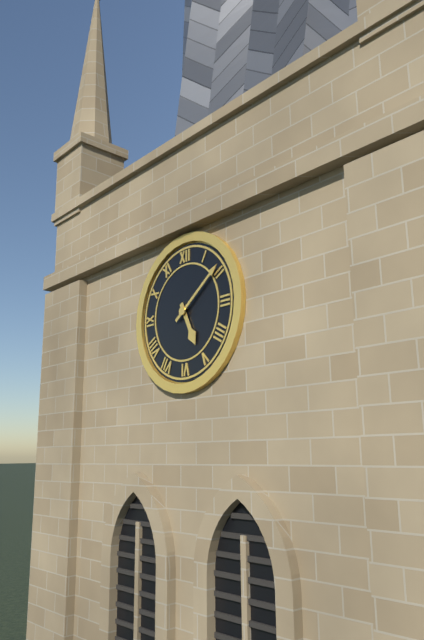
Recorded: 5 h 09 min
